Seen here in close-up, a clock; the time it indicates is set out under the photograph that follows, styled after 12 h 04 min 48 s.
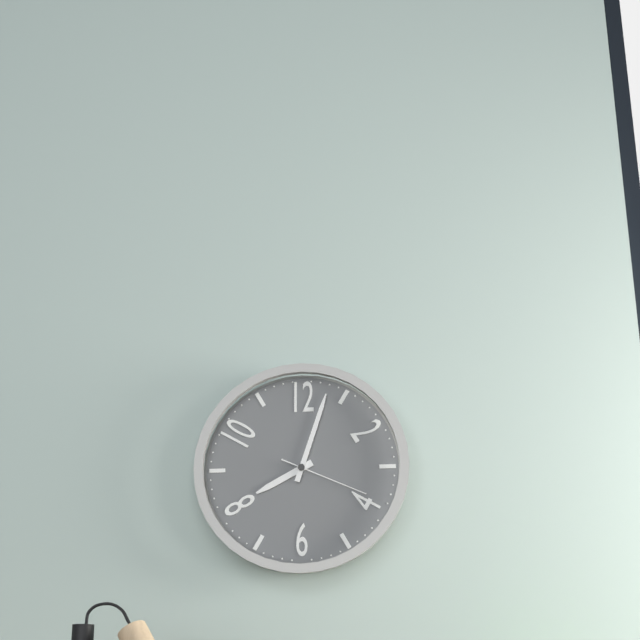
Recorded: 8 h 03 min 19 s
